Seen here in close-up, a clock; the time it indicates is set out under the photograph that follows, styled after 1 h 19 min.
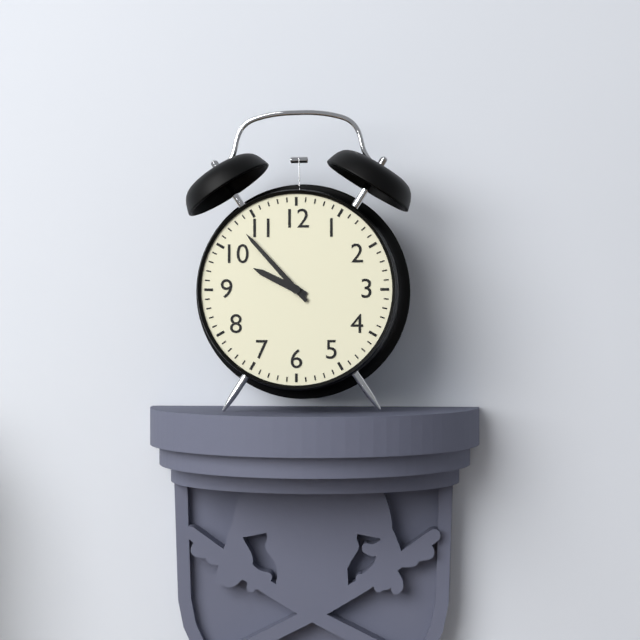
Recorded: 9 h 53 min
